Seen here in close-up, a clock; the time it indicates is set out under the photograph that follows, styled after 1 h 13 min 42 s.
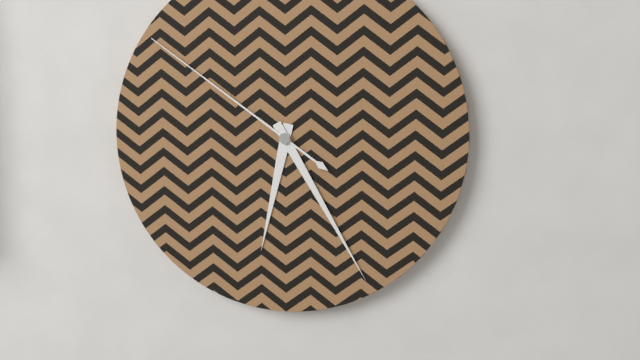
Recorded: 6 h 25 min 51 s
